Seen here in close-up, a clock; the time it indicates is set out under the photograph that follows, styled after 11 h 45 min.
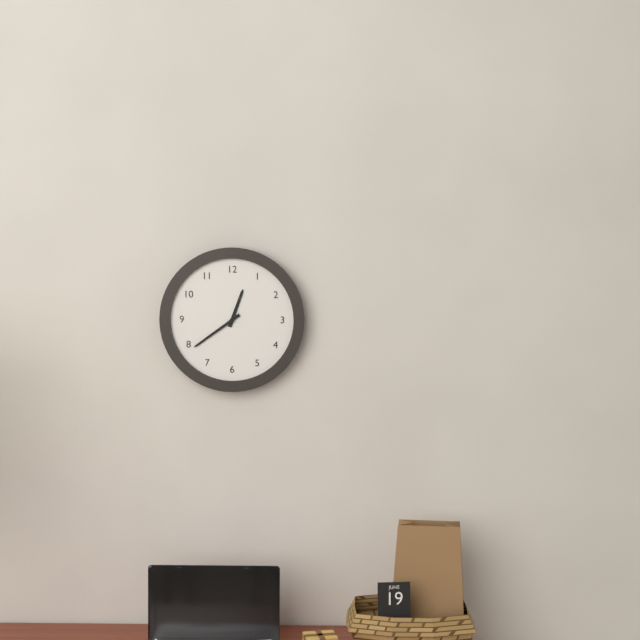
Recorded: 12 h 39 min
